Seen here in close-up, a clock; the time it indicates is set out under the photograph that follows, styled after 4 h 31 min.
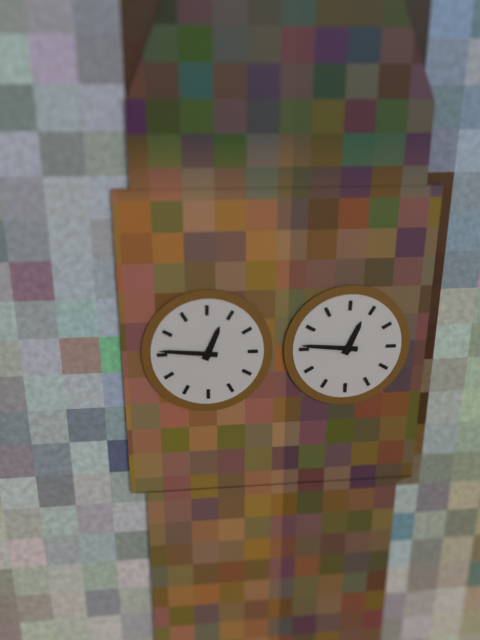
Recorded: 12 h 46 min
